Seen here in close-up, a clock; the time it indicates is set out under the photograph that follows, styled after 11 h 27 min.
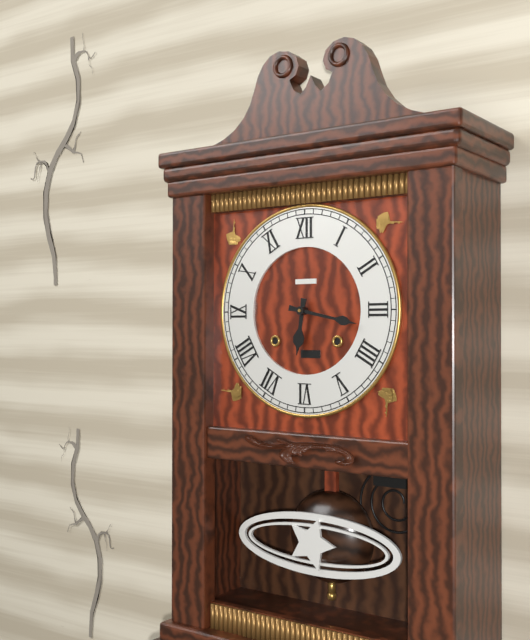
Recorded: 6 h 17 min
